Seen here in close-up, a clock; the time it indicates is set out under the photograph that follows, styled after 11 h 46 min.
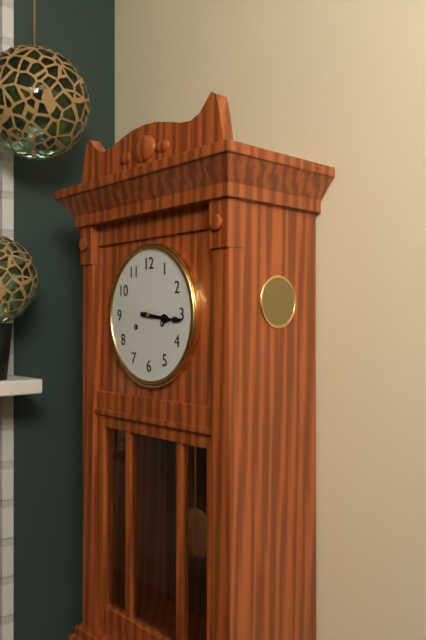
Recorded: 3 h 16 min
